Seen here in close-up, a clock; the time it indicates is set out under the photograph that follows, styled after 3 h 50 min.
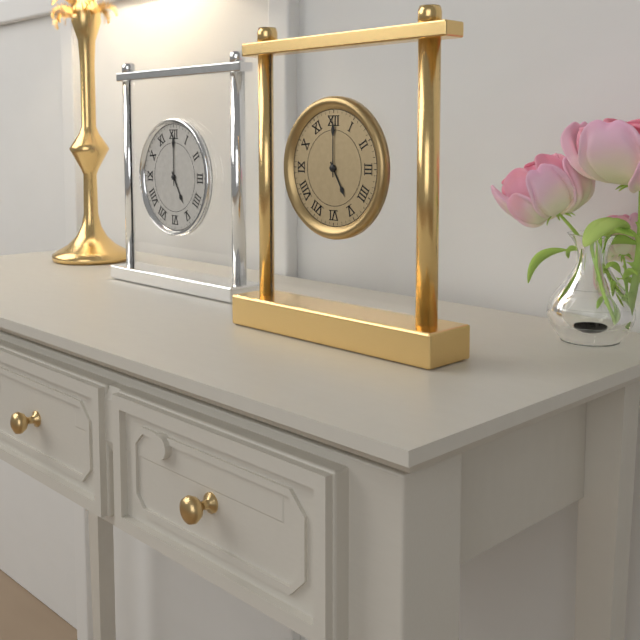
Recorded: 5 h 00 min
